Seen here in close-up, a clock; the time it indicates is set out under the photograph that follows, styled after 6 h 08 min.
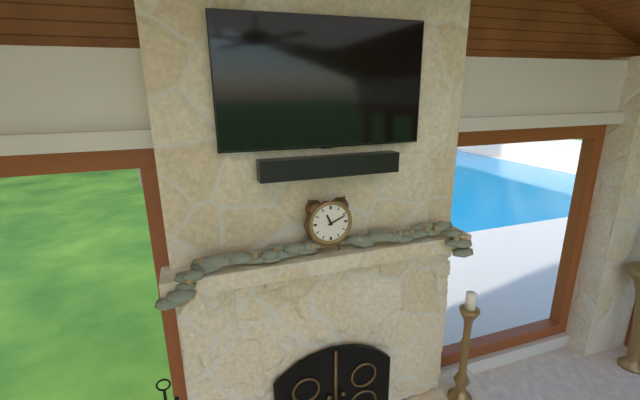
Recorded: 11 h 11 min
